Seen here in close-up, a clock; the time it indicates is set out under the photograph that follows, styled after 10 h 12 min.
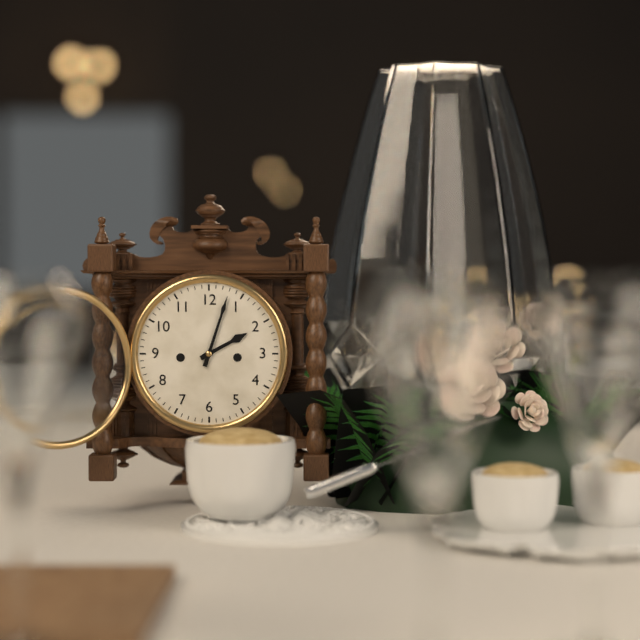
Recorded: 2 h 03 min
